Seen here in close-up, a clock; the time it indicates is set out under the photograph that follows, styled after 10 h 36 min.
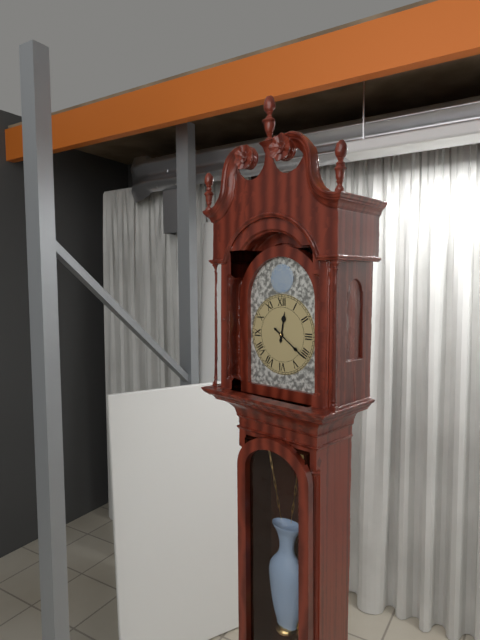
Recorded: 12 h 21 min
